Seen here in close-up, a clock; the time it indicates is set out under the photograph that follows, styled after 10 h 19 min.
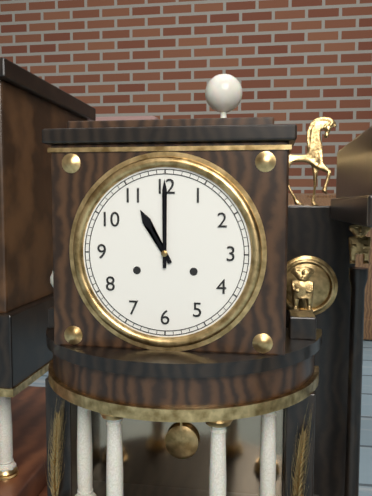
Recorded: 11 h 00 min
